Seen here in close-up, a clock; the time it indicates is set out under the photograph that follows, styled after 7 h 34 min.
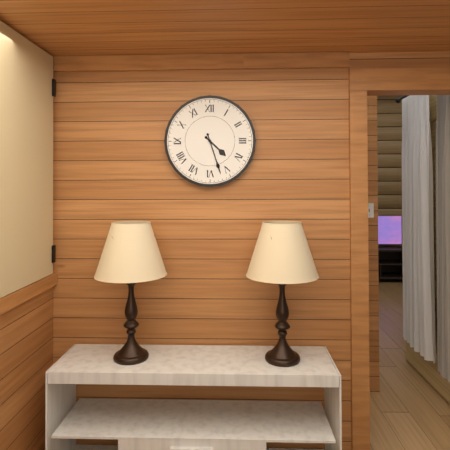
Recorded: 4 h 27 min
